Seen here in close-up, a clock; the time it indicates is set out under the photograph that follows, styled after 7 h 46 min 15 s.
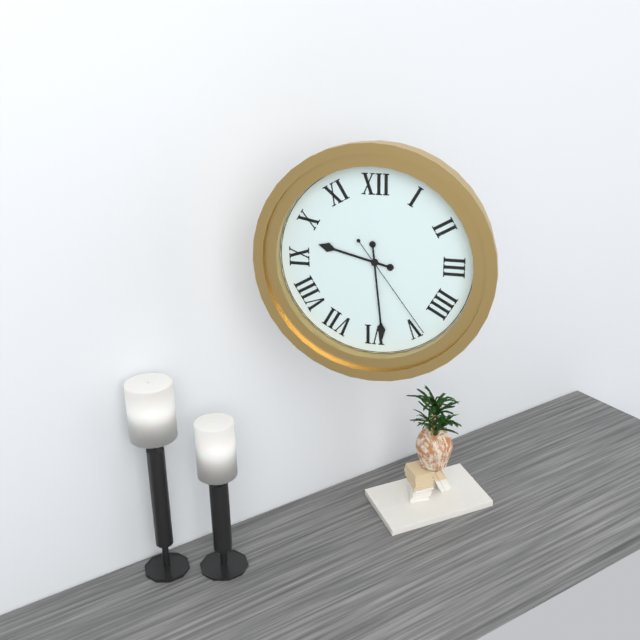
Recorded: 9 h 29 min 24 s
